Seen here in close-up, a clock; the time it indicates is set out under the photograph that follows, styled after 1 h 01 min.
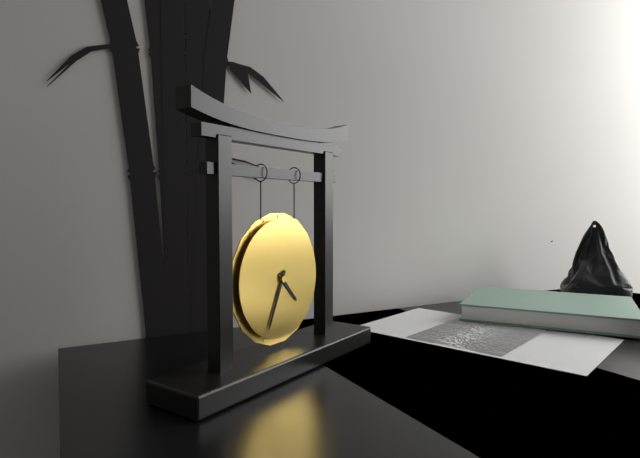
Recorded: 4 h 34 min
